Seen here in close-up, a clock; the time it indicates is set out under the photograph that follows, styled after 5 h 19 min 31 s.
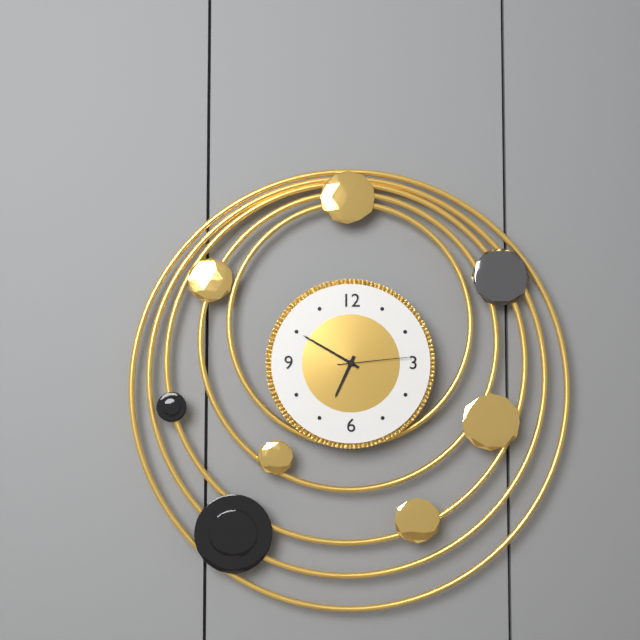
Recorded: 6 h 50 min 14 s
